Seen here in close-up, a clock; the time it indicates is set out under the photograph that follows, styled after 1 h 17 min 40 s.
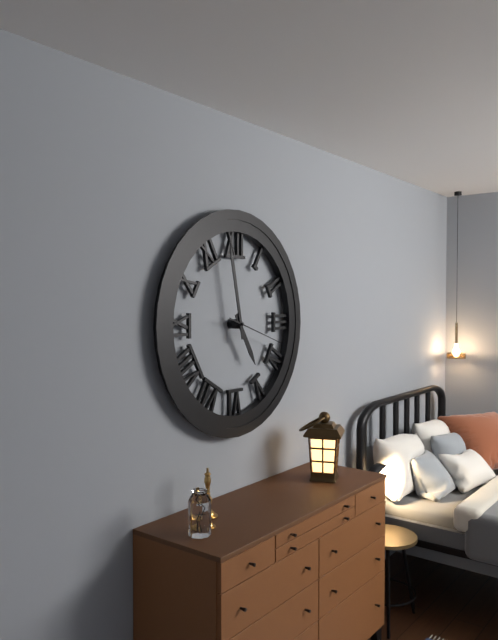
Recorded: 4 h 58 min 18 s
